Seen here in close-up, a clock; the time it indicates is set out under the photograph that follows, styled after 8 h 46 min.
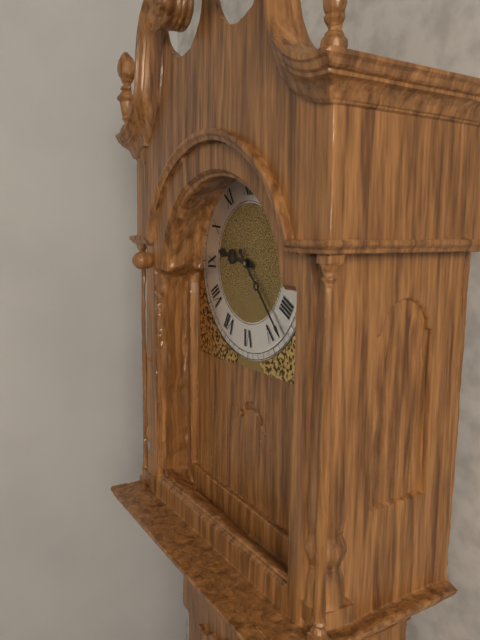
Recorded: 9 h 23 min
